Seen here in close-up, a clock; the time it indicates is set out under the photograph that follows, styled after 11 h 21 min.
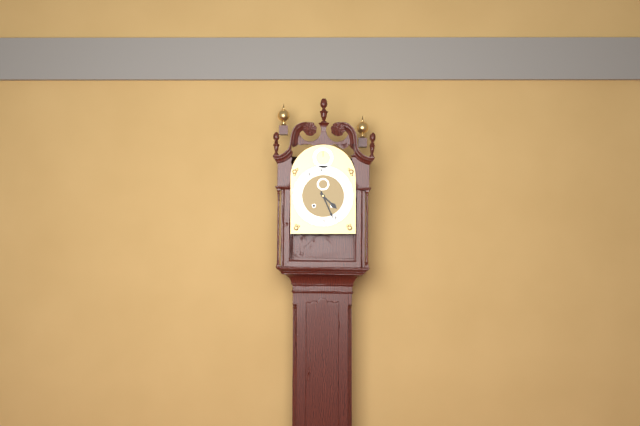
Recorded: 4 h 26 min
